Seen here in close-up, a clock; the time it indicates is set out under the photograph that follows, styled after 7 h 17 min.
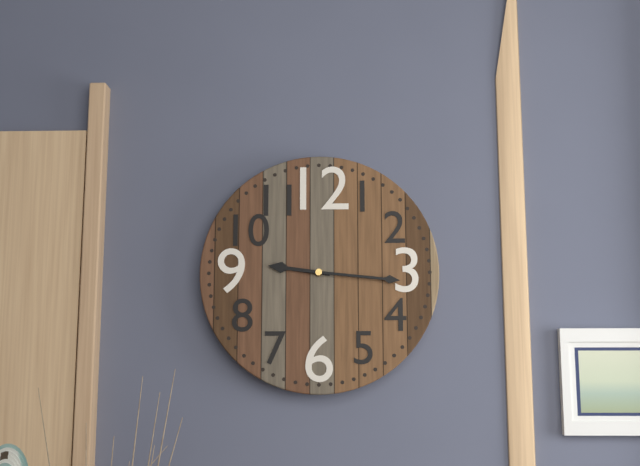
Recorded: 9 h 16 min
